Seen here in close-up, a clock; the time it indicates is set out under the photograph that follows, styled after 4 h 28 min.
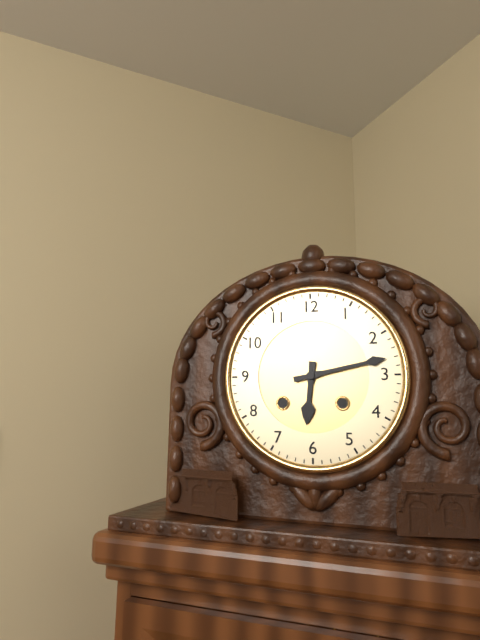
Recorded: 6 h 13 min
